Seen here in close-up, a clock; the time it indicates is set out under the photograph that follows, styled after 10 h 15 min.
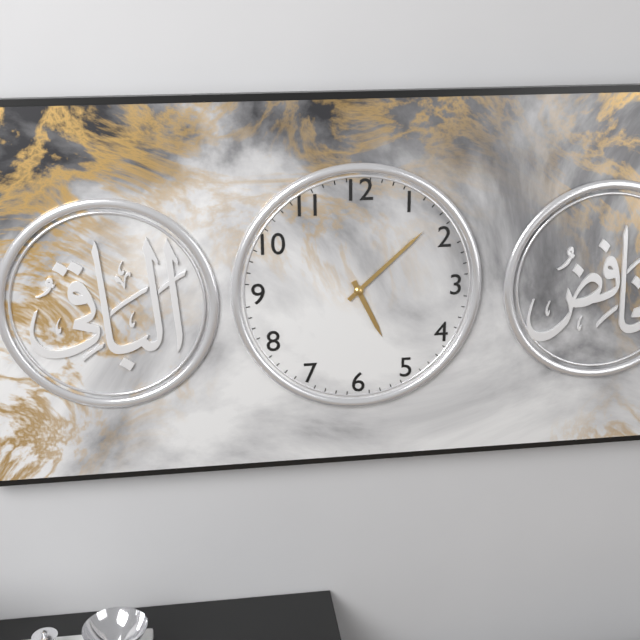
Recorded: 5 h 08 min
